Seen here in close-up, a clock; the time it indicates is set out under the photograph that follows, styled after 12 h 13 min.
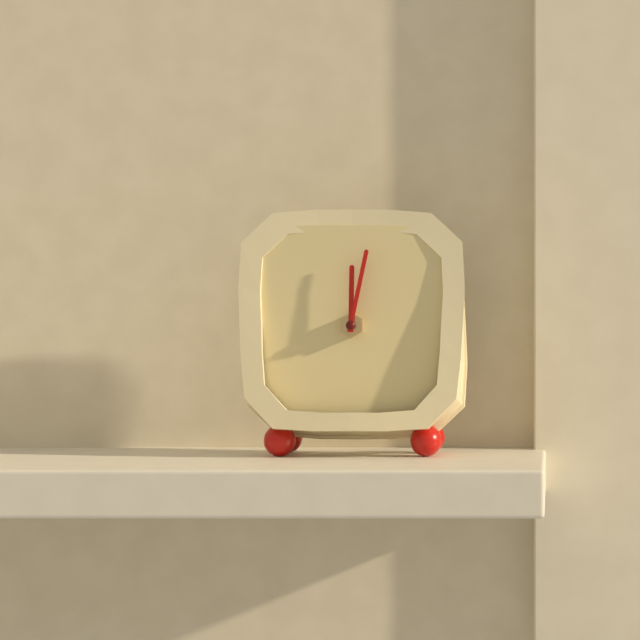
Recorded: 12 h 02 min
